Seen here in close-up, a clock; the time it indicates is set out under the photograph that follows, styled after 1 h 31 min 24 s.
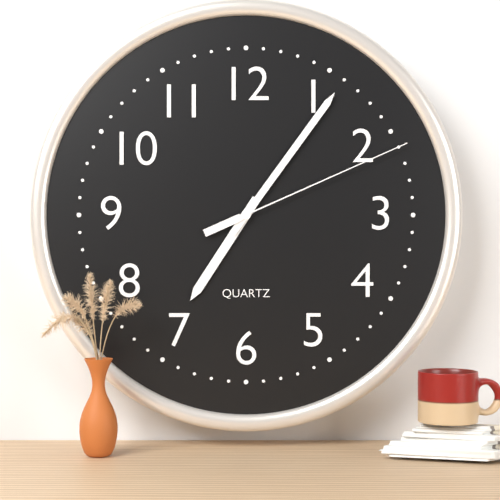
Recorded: 7 h 06 min 11 s
